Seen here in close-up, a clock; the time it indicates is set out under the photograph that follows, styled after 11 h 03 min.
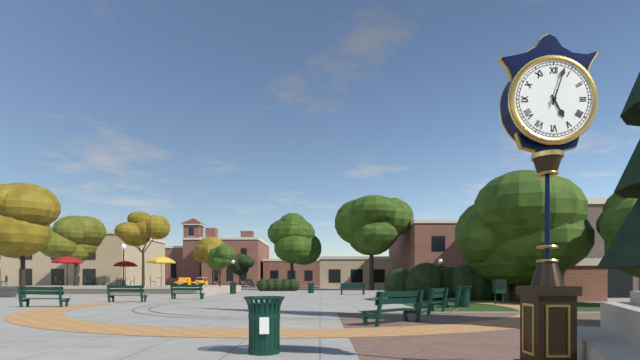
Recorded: 5 h 03 min
